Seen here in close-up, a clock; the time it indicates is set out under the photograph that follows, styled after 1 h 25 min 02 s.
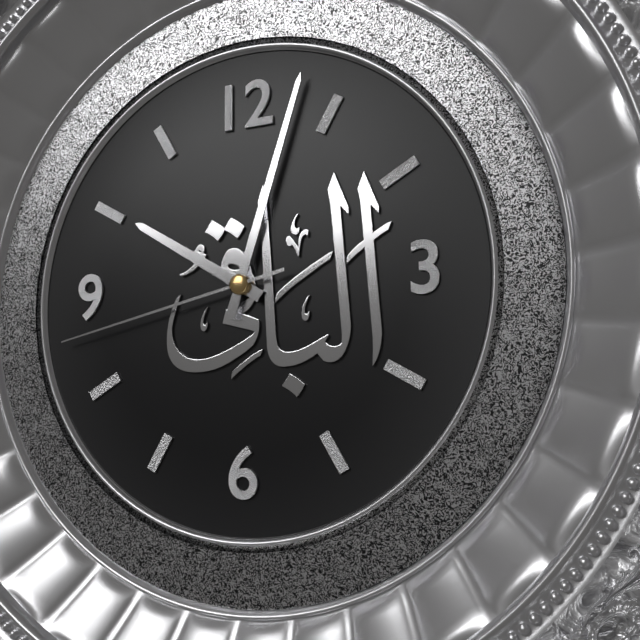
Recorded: 10 h 03 min 43 s
